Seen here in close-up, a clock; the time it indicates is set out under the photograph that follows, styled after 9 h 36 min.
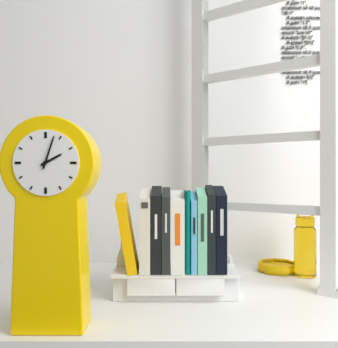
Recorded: 2 h 03 min
